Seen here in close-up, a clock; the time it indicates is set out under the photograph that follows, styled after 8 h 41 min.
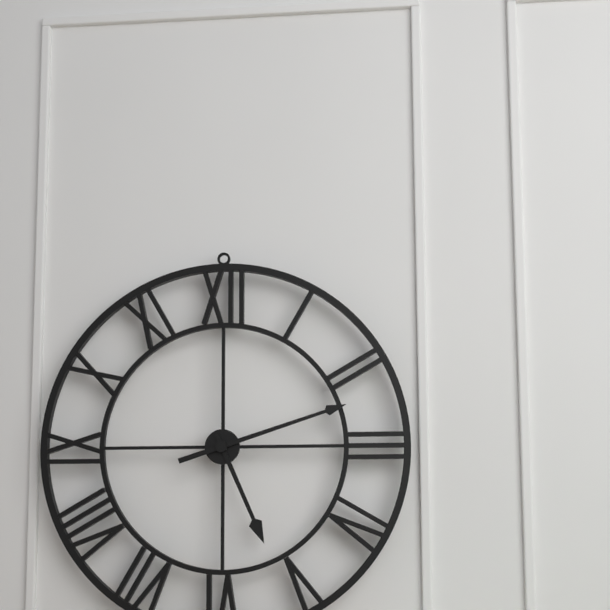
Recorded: 5 h 12 min
